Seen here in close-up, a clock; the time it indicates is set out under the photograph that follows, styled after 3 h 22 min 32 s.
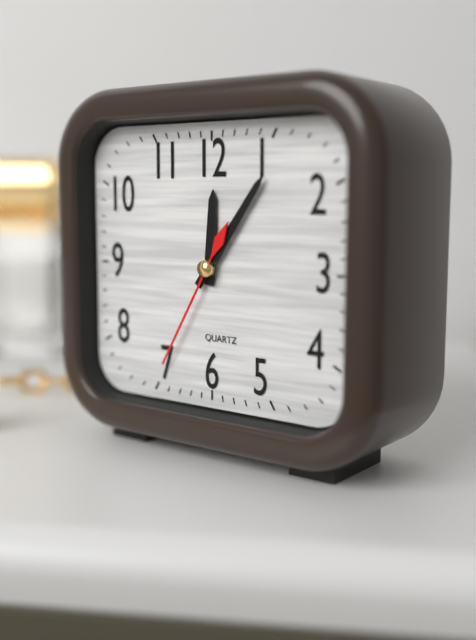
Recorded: 12 h 06 min 35 s
